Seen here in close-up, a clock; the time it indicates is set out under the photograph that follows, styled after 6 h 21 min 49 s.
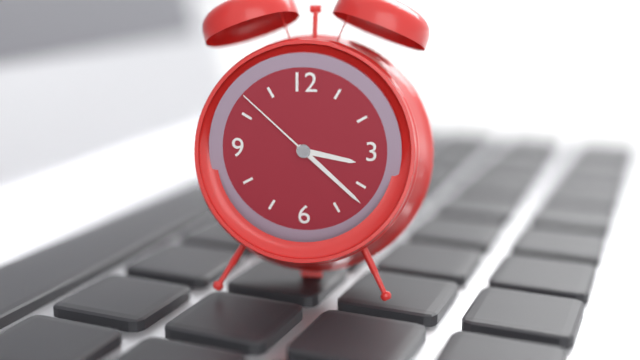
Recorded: 3 h 22 min 52 s
